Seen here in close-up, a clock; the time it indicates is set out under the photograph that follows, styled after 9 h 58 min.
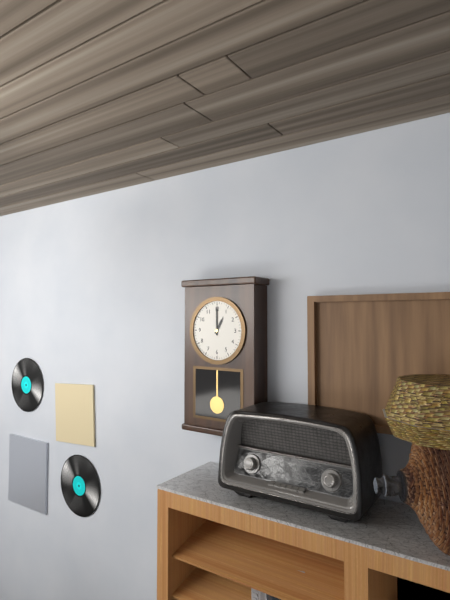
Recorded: 1 h 00 min
